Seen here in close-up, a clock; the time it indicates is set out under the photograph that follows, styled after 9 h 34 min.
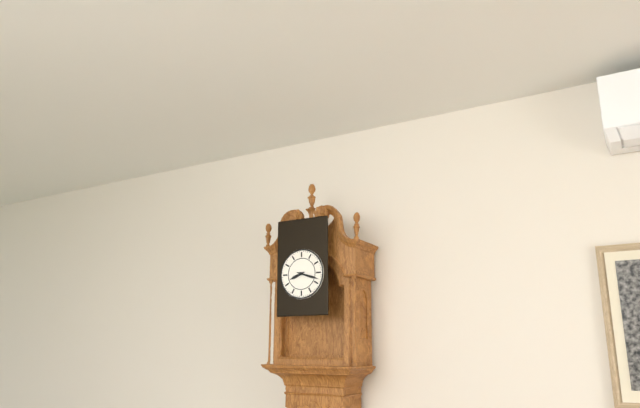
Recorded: 8 h 18 min
